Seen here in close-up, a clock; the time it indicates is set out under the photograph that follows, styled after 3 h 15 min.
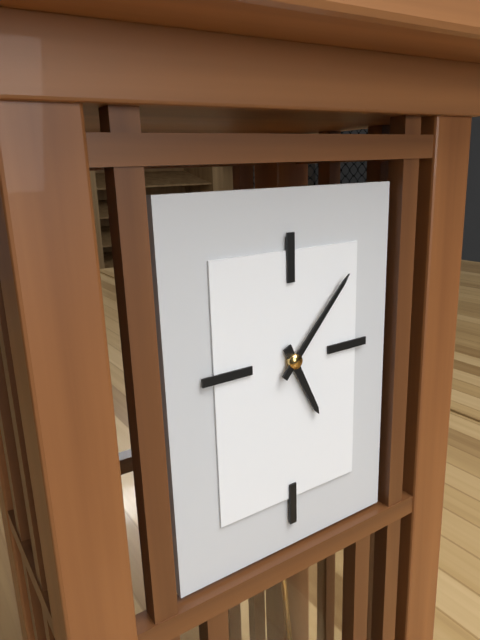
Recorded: 5 h 07 min
